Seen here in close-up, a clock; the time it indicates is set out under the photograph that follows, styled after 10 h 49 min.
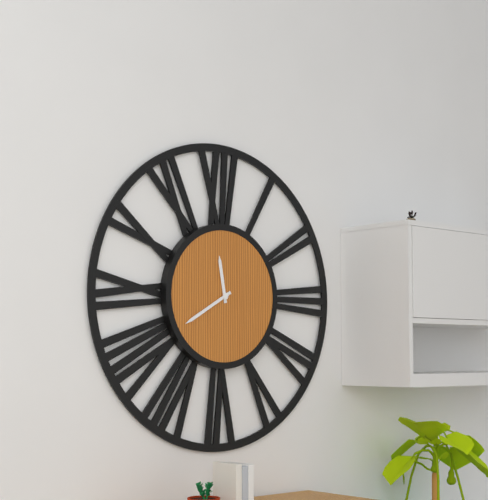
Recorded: 11 h 40 min
